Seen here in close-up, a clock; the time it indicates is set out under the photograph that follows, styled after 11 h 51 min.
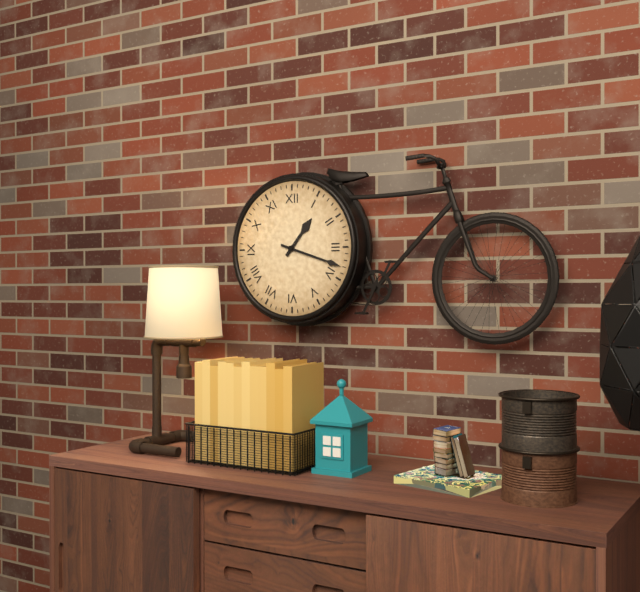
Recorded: 1 h 18 min
